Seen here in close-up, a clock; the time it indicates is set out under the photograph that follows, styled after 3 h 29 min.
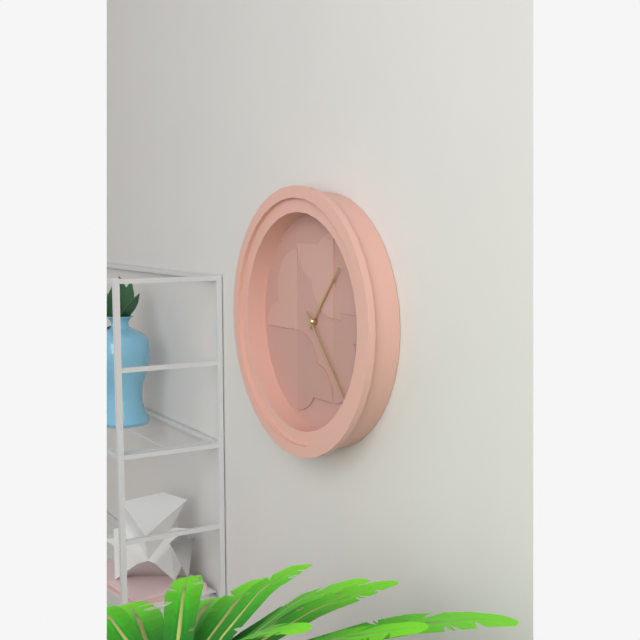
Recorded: 1 h 23 min
